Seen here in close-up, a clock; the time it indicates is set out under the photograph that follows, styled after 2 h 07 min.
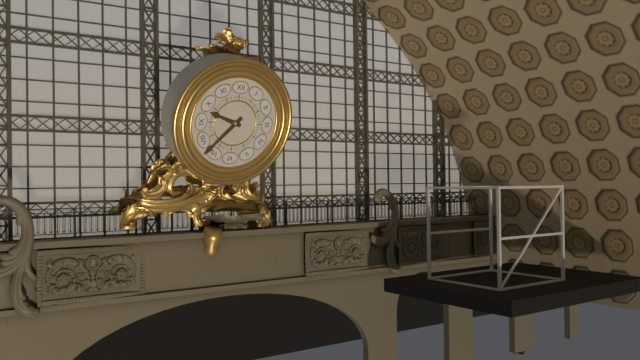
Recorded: 9 h 37 min
